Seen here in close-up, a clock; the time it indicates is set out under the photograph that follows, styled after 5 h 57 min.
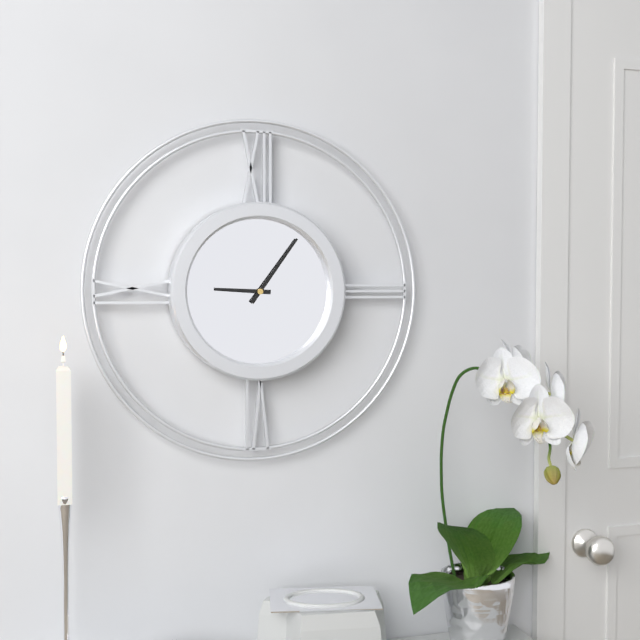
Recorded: 9 h 06 min
